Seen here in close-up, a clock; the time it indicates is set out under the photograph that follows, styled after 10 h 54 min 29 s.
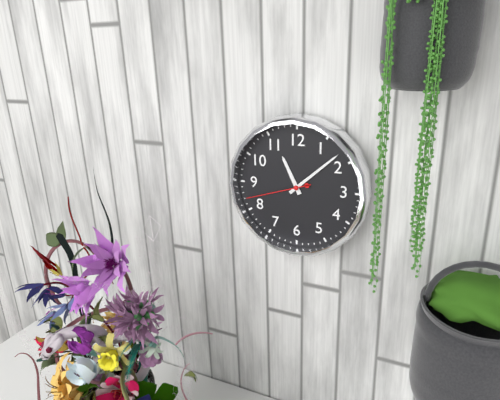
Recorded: 11 h 08 min 42 s
